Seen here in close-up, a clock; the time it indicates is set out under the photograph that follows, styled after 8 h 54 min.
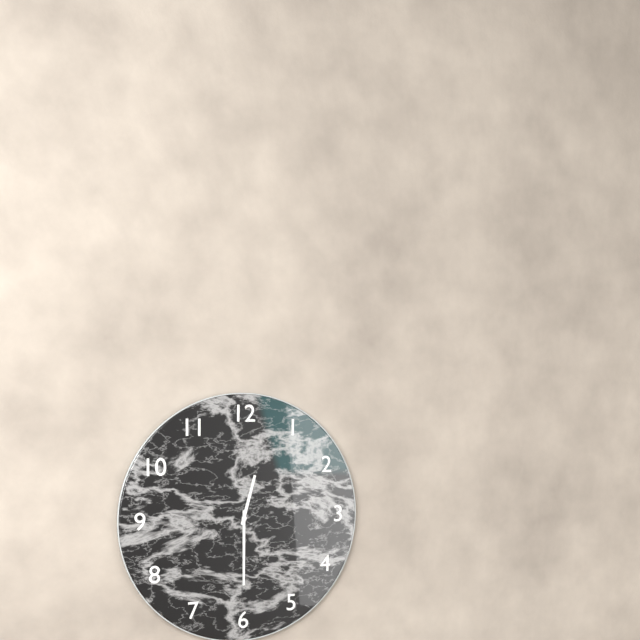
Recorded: 12 h 30 min
